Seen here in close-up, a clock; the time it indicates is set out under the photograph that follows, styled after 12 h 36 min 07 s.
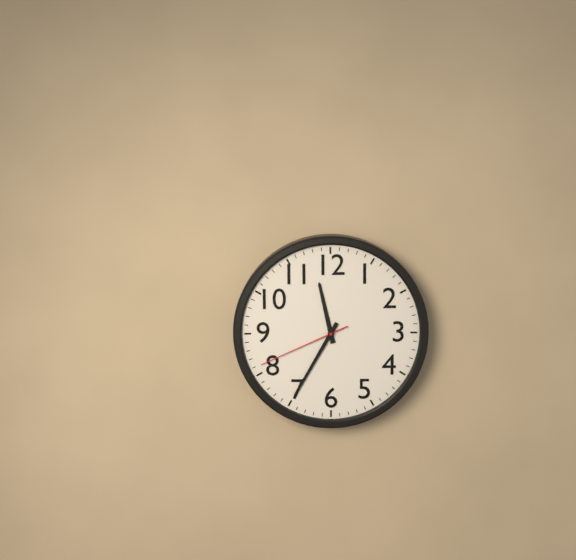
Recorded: 11 h 35 min 41 s
